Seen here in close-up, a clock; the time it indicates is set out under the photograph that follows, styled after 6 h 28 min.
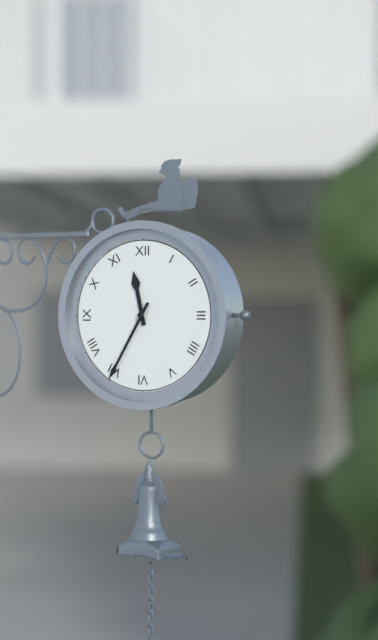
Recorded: 11 h 35 min
